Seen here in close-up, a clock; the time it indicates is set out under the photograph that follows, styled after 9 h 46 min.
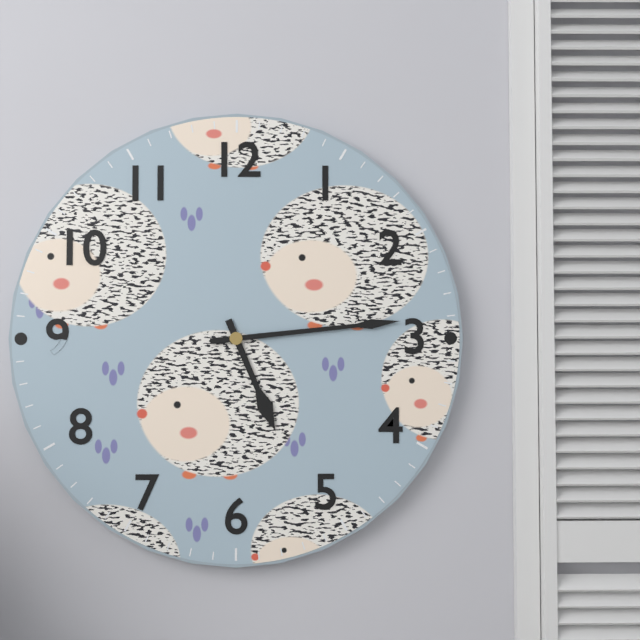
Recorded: 5 h 14 min
